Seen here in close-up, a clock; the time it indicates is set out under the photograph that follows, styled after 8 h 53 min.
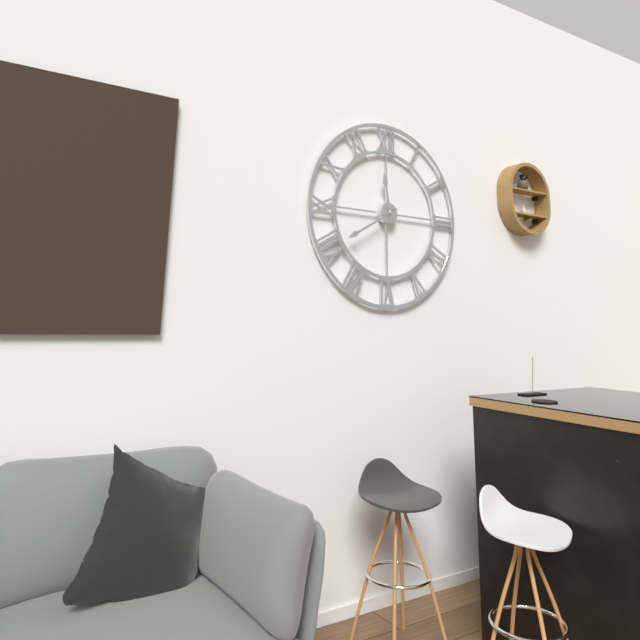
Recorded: 11 h 40 min
